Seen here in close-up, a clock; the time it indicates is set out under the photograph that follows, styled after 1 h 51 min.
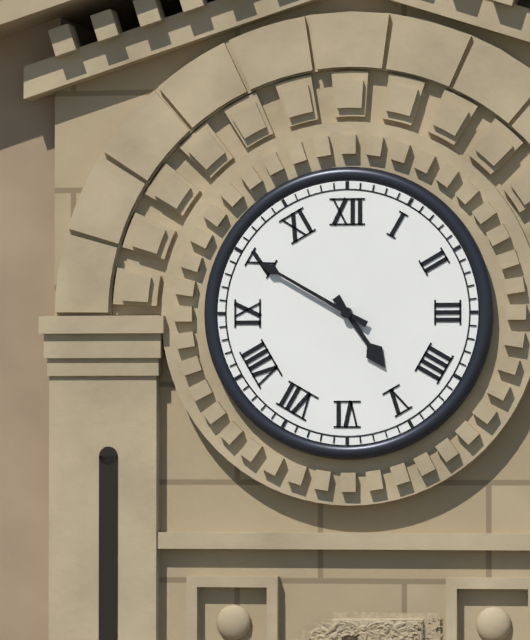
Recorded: 4 h 50 min
